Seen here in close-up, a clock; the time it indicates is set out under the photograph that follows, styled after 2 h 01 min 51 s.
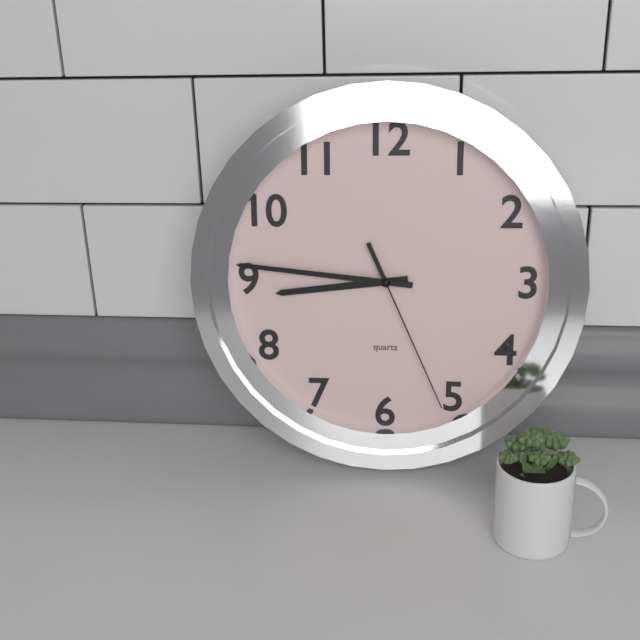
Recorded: 8 h 46 min 26 s
